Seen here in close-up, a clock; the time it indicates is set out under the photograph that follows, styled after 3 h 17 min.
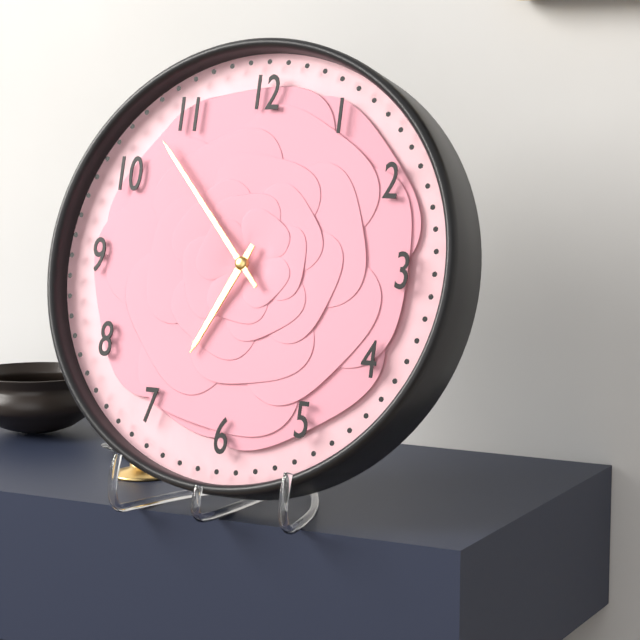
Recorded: 6 h 53 min
